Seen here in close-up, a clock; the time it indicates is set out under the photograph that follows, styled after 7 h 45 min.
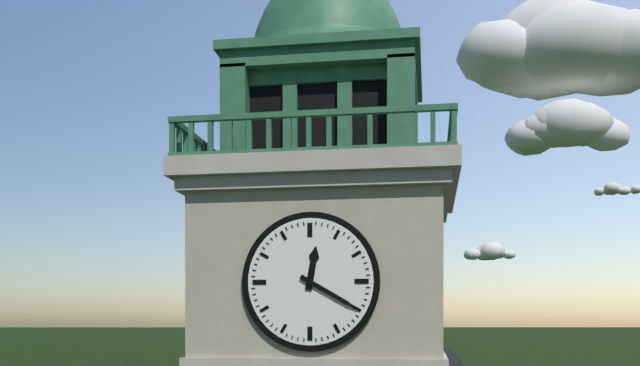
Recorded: 12 h 20 min
